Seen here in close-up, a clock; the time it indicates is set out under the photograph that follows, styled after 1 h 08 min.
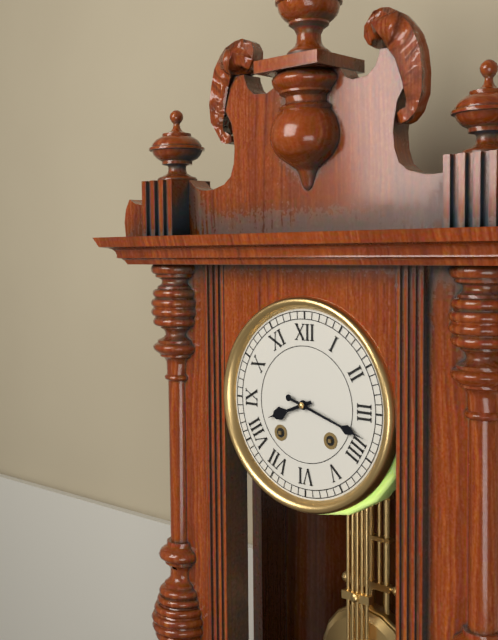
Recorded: 8 h 18 min
